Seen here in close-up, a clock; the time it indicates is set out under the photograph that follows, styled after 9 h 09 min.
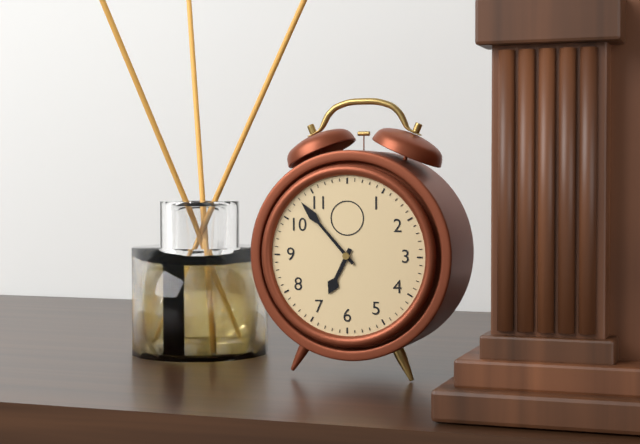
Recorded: 6 h 53 min
